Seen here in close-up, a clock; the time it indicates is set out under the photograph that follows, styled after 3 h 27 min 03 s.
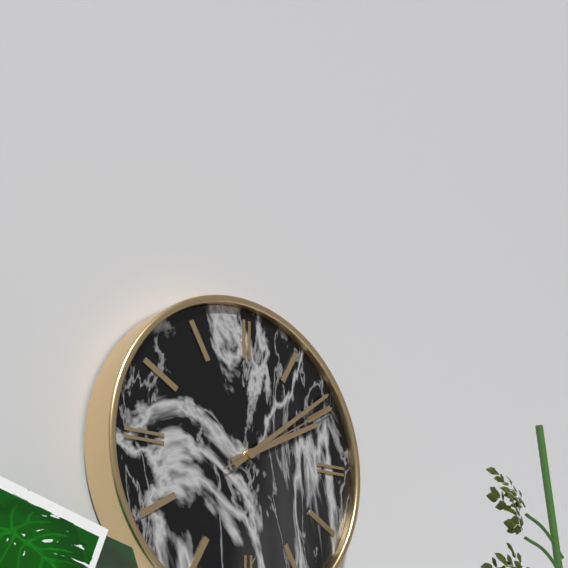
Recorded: 2 h 09 min 10 s
